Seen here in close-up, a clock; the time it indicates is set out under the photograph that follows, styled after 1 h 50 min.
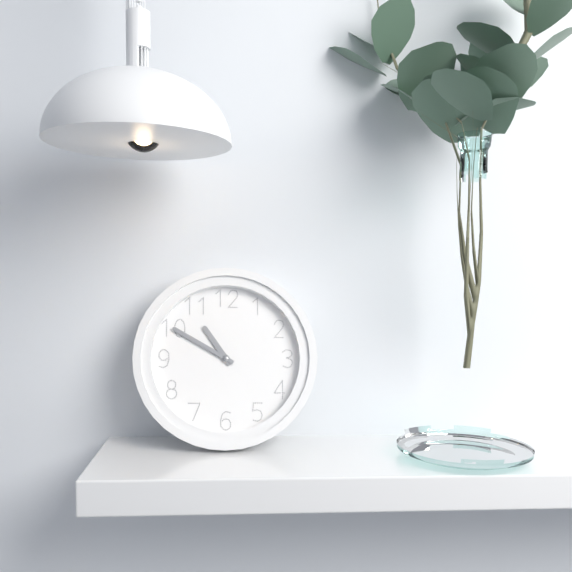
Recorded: 10 h 50 min
